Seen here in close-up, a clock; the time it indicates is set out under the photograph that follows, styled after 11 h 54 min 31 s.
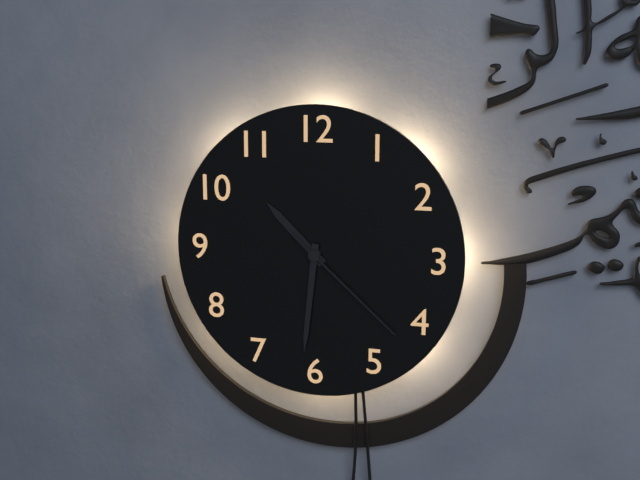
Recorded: 10 h 31 min 22 s
